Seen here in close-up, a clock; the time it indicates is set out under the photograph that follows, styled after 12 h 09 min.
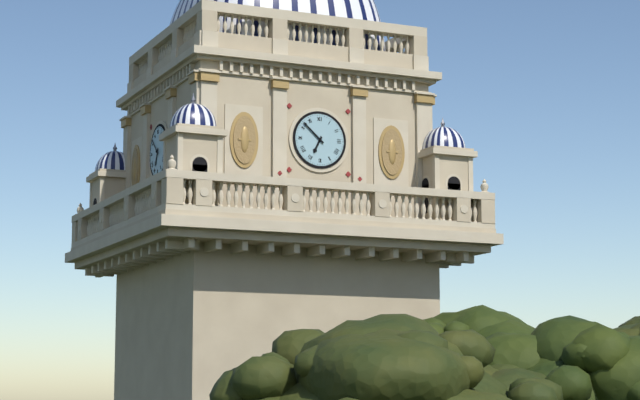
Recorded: 6 h 52 min
